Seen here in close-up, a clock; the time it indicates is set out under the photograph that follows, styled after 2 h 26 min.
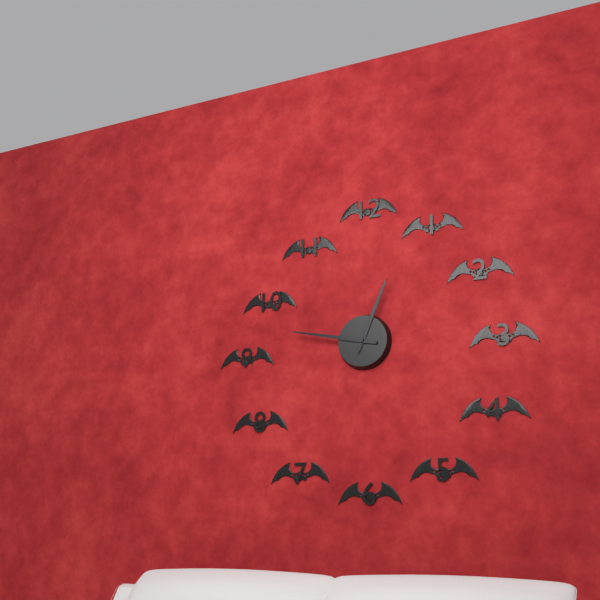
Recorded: 12 h 47 min
